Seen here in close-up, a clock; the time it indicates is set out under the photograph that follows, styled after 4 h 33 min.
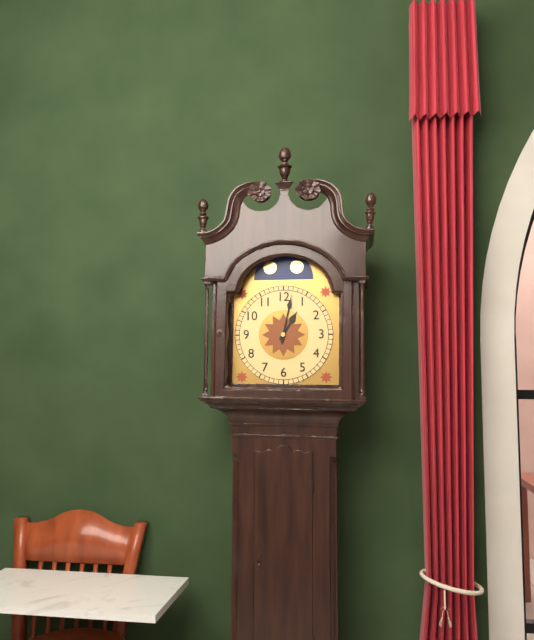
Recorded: 1 h 02 min
